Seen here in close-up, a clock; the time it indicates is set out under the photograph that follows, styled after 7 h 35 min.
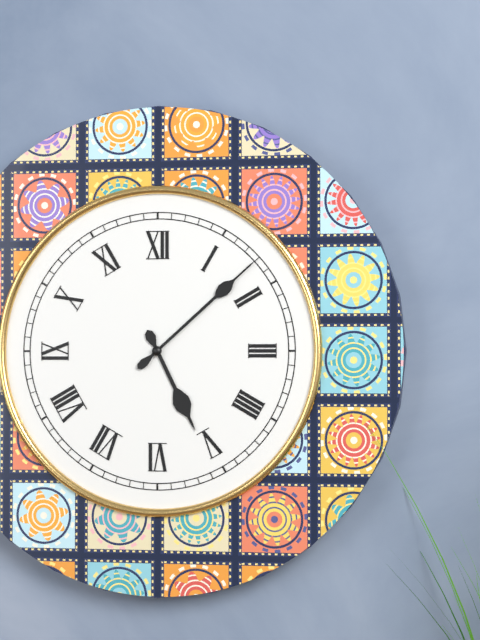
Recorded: 5 h 08 min
